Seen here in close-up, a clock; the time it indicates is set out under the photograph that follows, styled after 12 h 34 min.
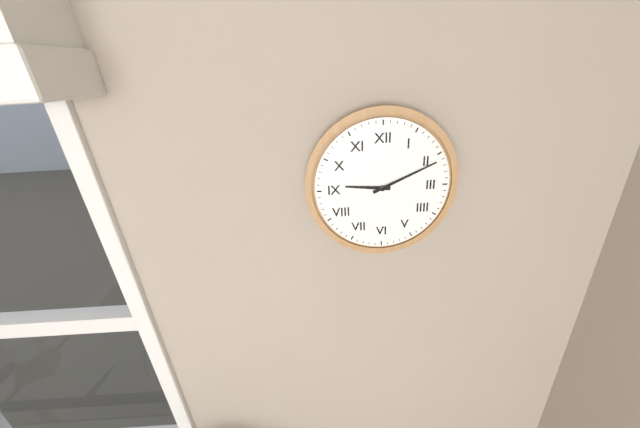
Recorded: 9 h 11 min
